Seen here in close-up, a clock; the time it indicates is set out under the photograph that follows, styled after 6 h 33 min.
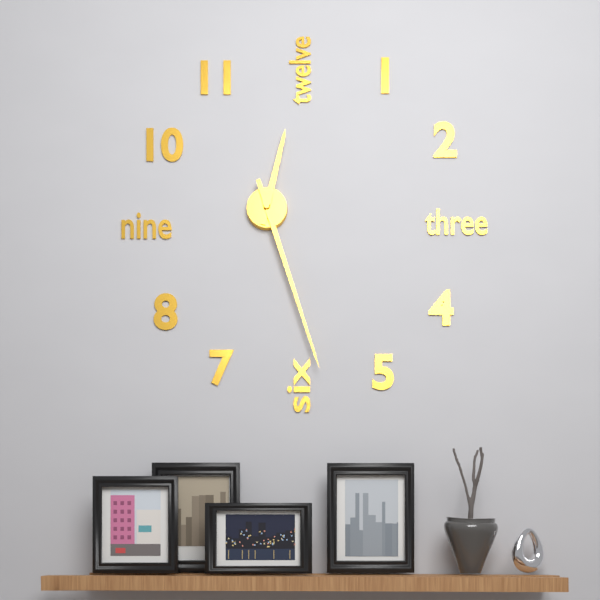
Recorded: 12 h 27 min
